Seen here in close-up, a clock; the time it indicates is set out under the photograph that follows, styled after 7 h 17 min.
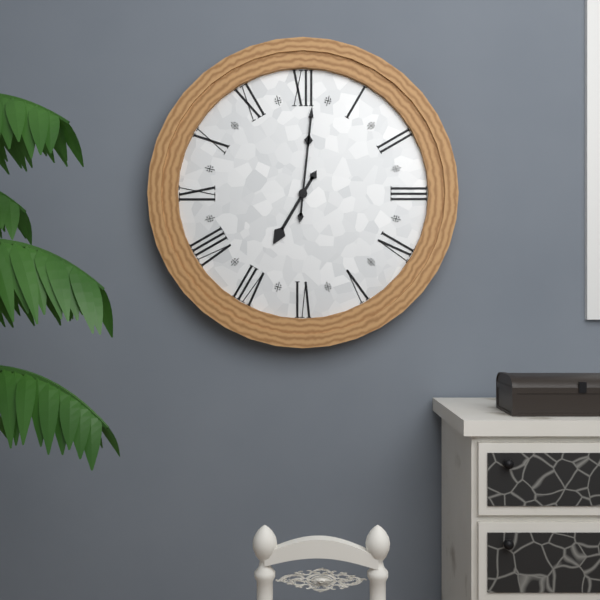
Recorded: 7 h 01 min
